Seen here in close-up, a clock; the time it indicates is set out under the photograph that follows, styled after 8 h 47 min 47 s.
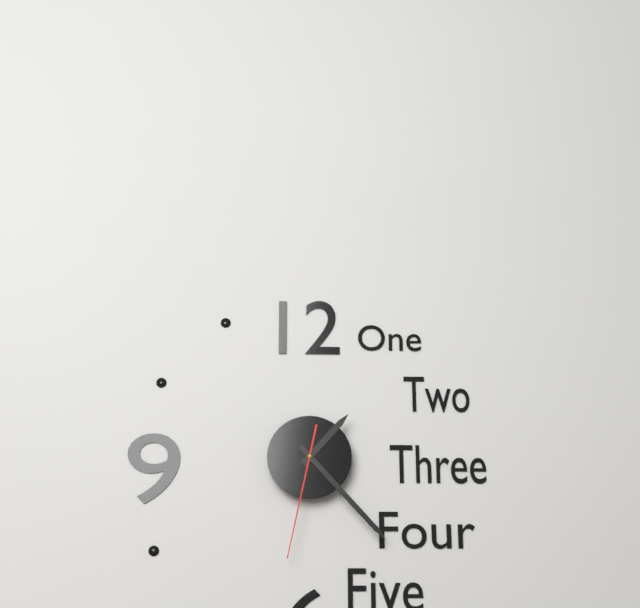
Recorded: 1 h 23 min 32 s
